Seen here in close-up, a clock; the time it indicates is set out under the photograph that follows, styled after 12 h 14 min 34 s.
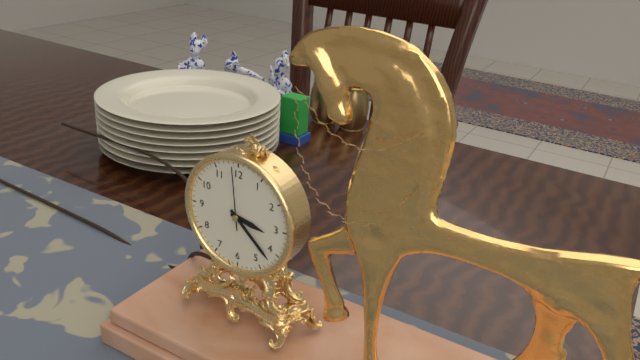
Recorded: 3 h 22 min 59 s
